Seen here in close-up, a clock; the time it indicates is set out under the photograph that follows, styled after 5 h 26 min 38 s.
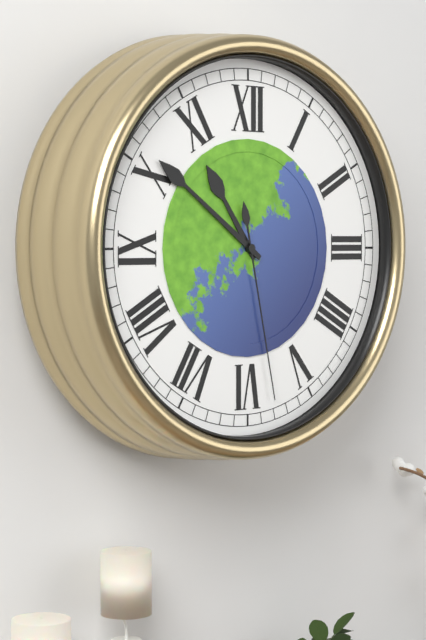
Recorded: 10 h 51 min 28 s
